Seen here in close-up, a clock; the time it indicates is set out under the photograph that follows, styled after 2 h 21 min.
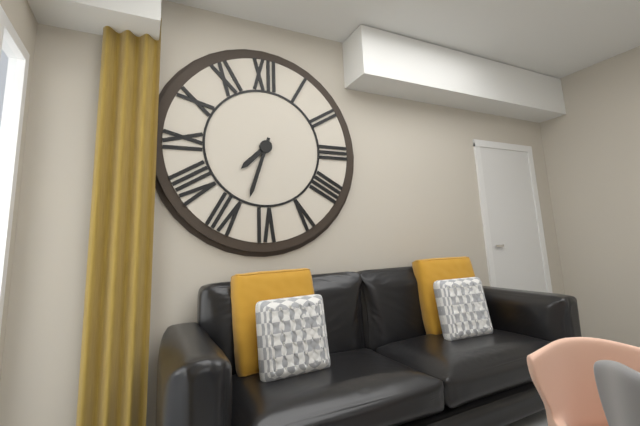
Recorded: 7 h 33 min
